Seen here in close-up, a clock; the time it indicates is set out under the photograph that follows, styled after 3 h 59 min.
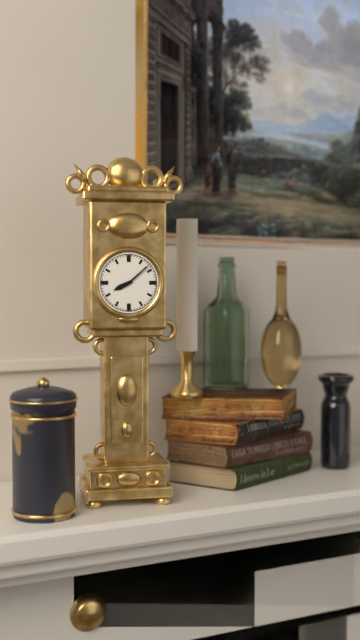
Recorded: 8 h 08 min
